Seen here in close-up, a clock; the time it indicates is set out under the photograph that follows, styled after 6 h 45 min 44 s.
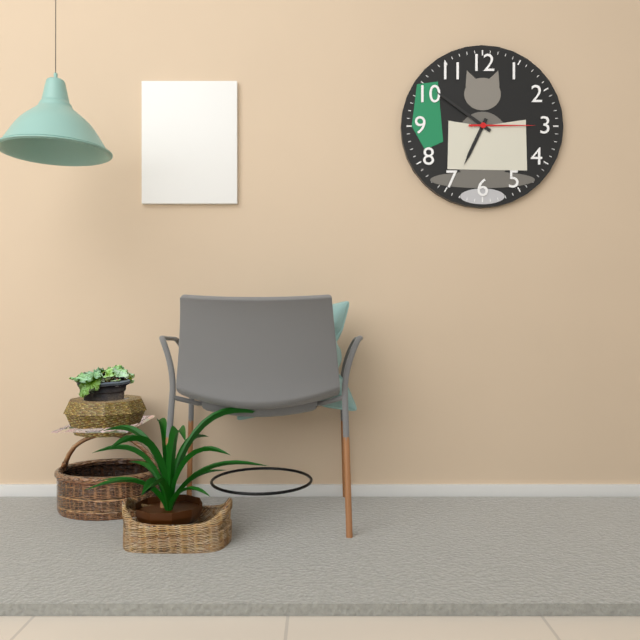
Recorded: 6 h 51 min 15 s
